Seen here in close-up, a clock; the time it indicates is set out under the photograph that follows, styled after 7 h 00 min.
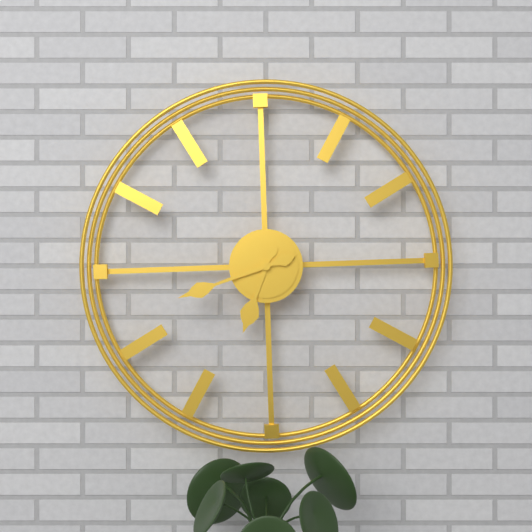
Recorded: 6 h 42 min
